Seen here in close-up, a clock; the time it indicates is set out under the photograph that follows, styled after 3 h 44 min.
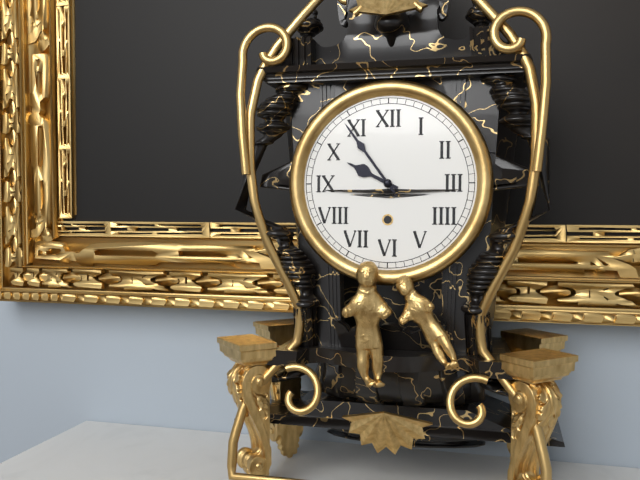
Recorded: 9 h 54 min
